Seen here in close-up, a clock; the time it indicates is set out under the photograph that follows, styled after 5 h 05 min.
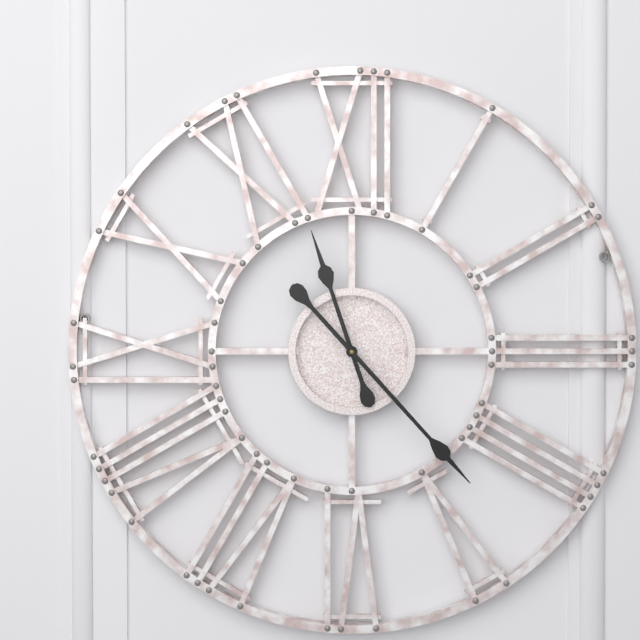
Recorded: 11 h 23 min
